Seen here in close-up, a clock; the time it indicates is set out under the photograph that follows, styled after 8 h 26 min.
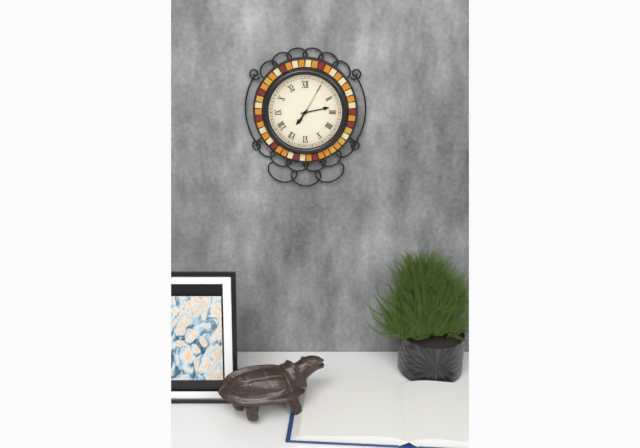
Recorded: 7 h 13 min
